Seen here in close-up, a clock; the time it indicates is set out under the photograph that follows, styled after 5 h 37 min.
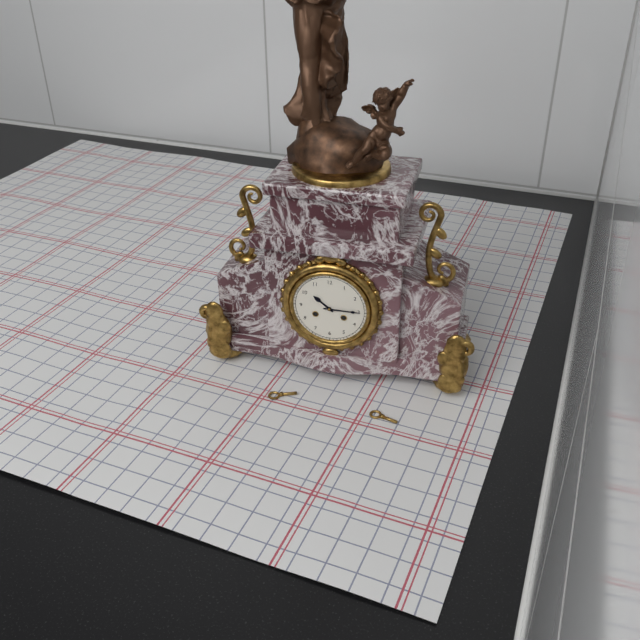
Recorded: 10 h 15 min
